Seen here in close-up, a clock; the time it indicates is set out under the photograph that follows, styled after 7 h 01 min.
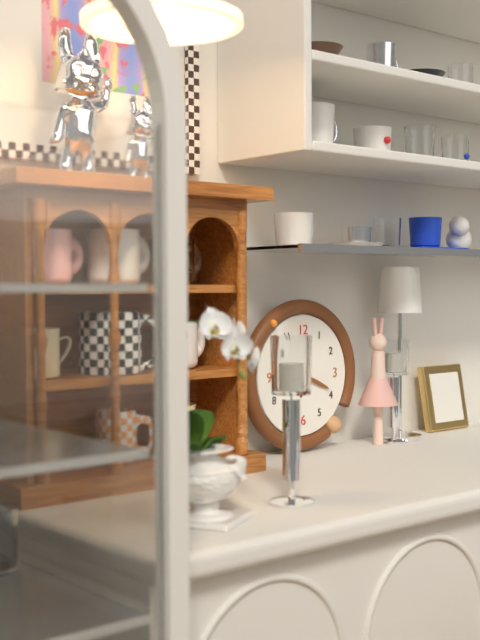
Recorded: 6 h 19 min
